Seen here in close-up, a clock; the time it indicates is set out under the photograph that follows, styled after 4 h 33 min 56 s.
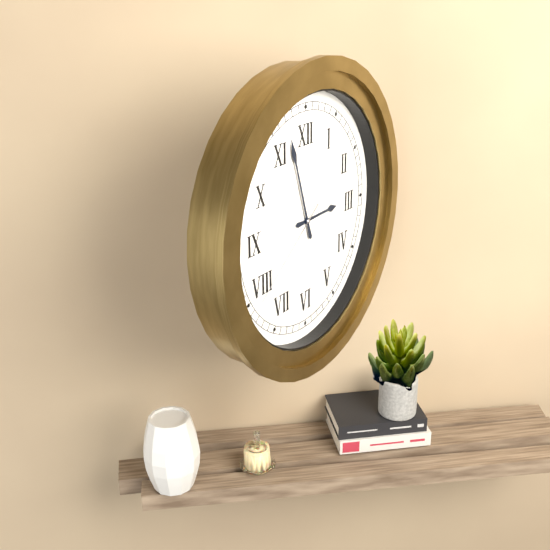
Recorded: 2 h 57 min 39 s
